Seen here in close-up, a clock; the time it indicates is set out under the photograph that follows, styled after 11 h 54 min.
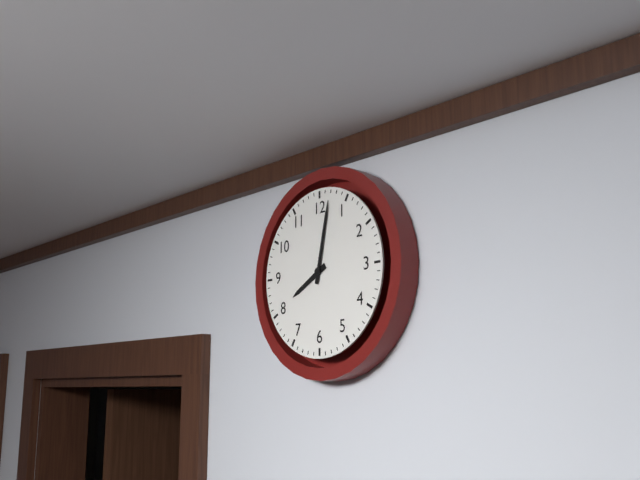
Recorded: 8 h 02 min
